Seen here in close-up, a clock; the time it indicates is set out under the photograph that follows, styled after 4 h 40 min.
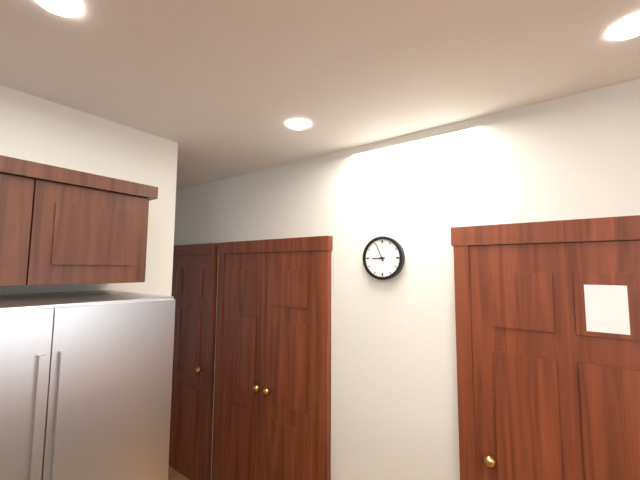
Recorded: 8 h 56 min
